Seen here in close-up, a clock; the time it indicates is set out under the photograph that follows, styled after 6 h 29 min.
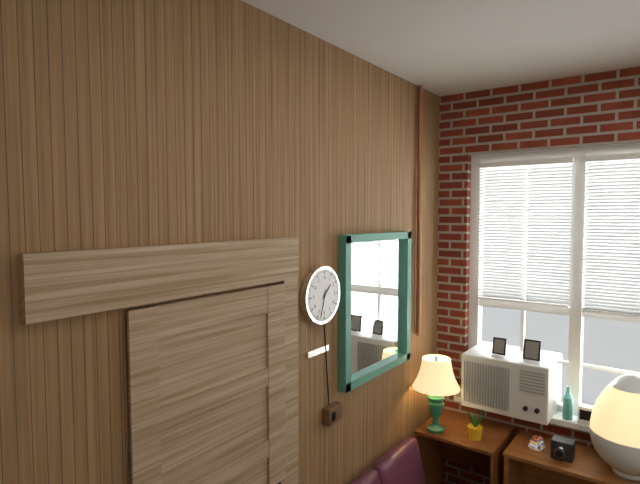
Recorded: 1 h 33 min
